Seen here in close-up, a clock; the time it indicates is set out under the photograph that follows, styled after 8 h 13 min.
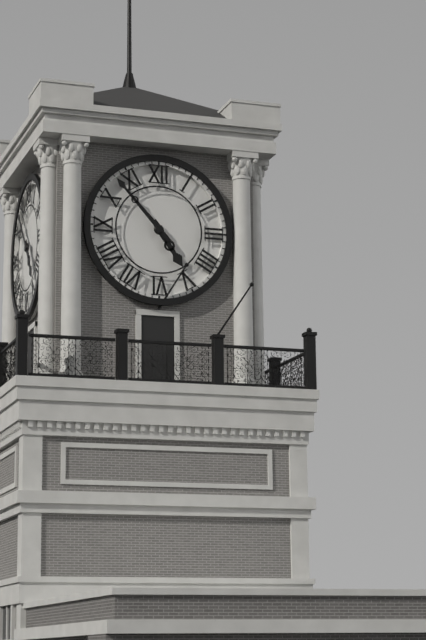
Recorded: 4 h 53 min
